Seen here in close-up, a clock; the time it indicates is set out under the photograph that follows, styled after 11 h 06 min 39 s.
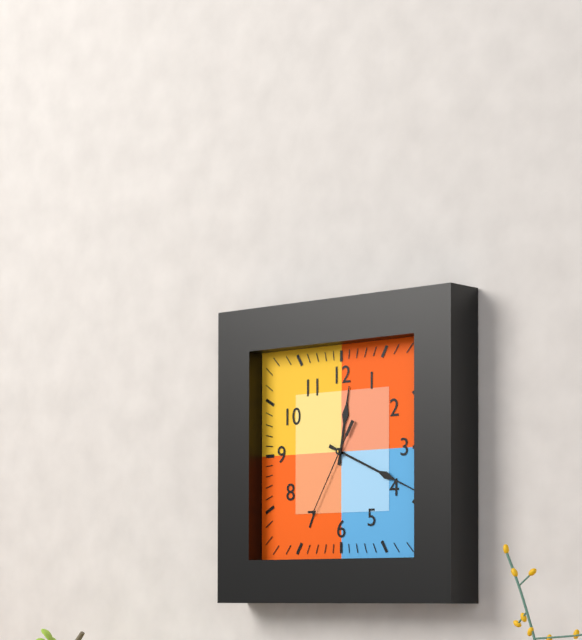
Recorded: 12 h 19 min 35 s
